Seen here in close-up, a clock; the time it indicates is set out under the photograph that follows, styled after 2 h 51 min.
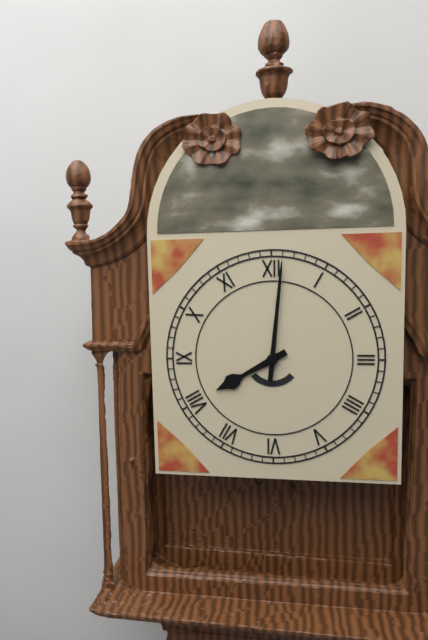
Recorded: 8 h 01 min
